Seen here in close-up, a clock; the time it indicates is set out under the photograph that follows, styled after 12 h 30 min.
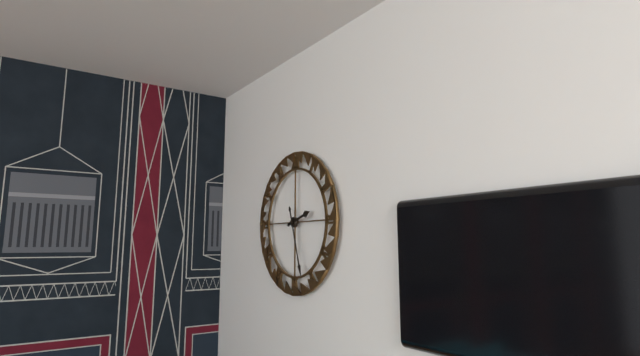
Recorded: 2 h 27 min
